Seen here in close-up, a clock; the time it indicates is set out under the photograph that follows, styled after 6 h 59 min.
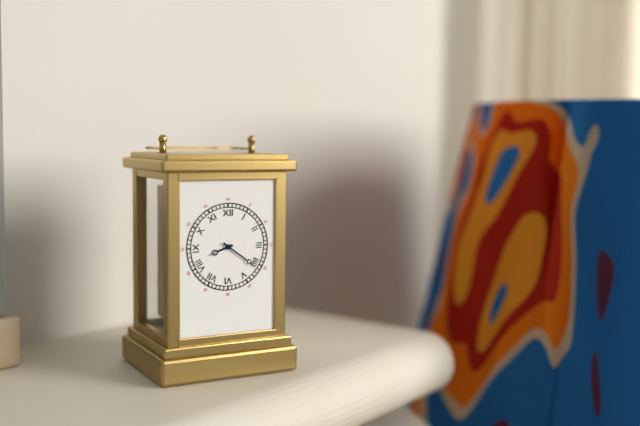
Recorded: 8 h 21 min
